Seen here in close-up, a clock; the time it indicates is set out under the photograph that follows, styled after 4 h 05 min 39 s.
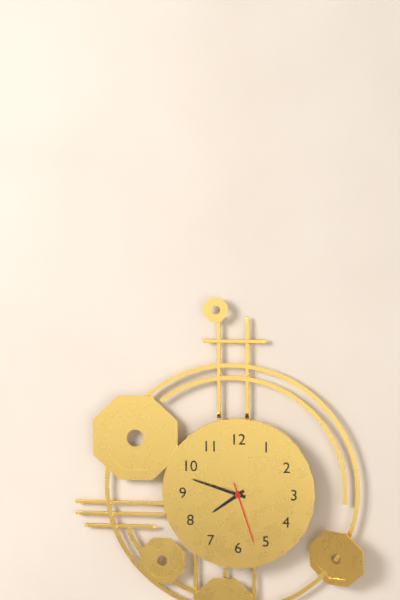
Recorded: 7 h 48 min 27 s
